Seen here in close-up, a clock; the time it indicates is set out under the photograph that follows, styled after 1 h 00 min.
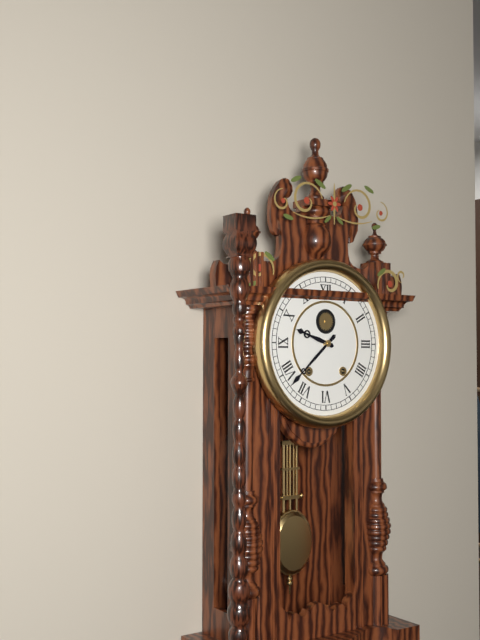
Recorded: 9 h 38 min
